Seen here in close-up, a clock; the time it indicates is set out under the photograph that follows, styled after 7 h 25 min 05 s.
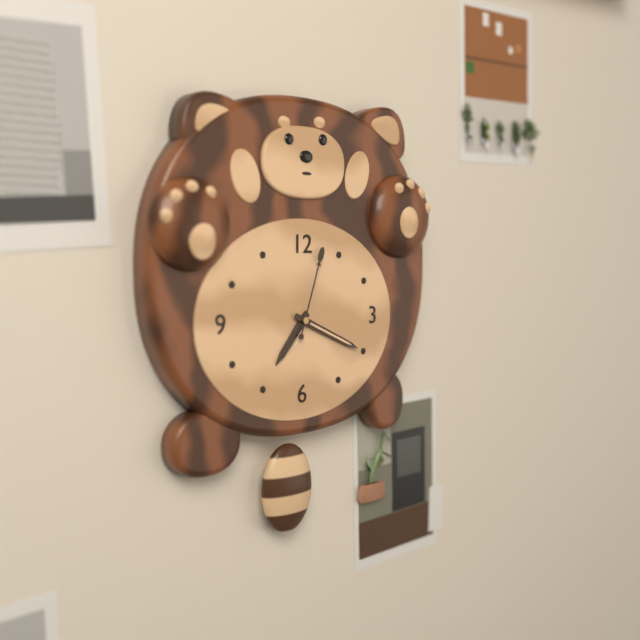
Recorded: 7 h 19 min 03 s
